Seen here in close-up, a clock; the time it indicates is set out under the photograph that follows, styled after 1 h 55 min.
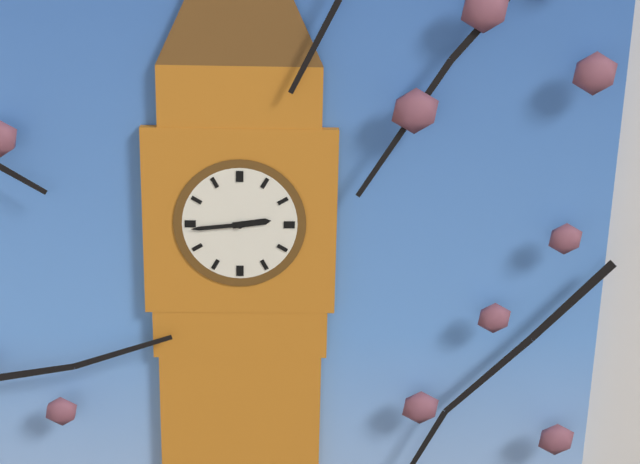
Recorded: 2 h 44 min
